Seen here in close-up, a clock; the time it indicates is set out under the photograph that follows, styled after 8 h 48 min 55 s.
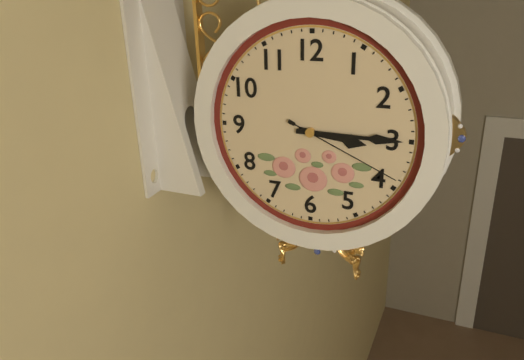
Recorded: 3 h 15 min 19 s
